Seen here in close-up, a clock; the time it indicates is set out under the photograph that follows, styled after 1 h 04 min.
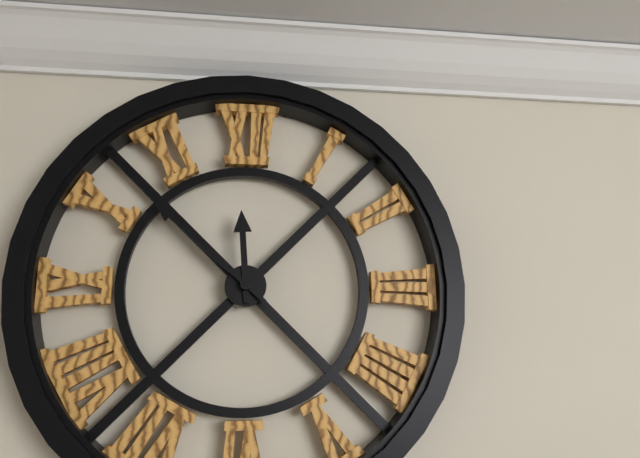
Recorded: 11 h 52 min
